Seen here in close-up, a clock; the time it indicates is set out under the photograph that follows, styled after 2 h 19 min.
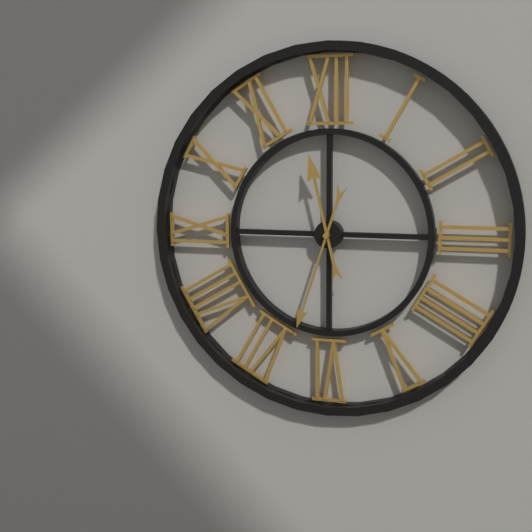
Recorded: 11 h 33 min
